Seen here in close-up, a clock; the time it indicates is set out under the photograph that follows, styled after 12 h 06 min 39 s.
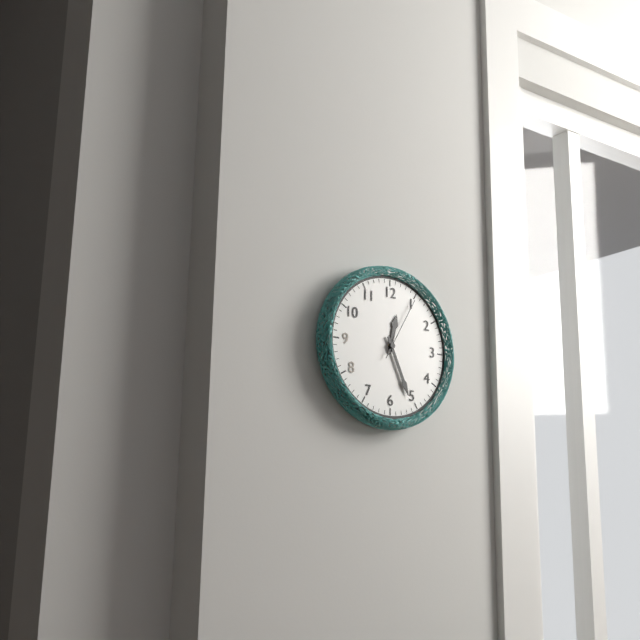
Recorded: 12 h 26 min 05 s
